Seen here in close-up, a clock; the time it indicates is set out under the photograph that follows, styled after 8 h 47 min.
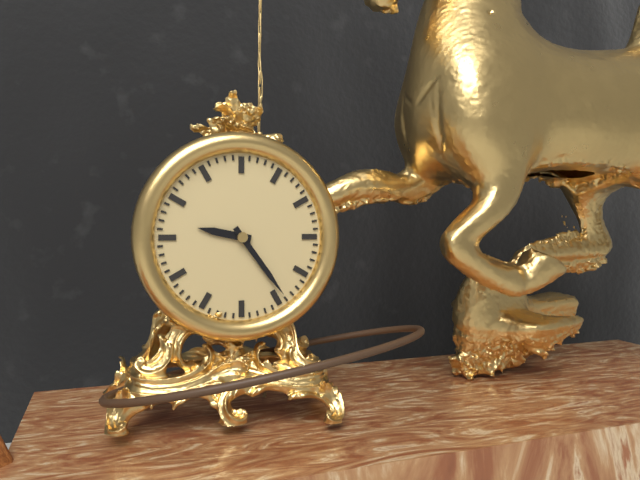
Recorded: 9 h 24 min
